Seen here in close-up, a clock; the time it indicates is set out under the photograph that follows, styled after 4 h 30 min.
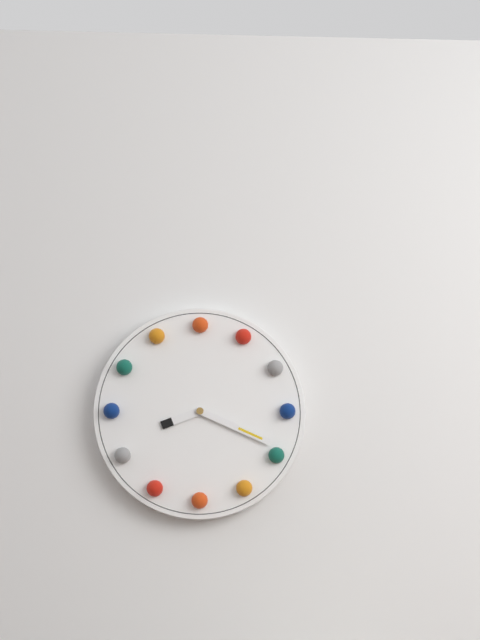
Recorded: 8 h 19 min
